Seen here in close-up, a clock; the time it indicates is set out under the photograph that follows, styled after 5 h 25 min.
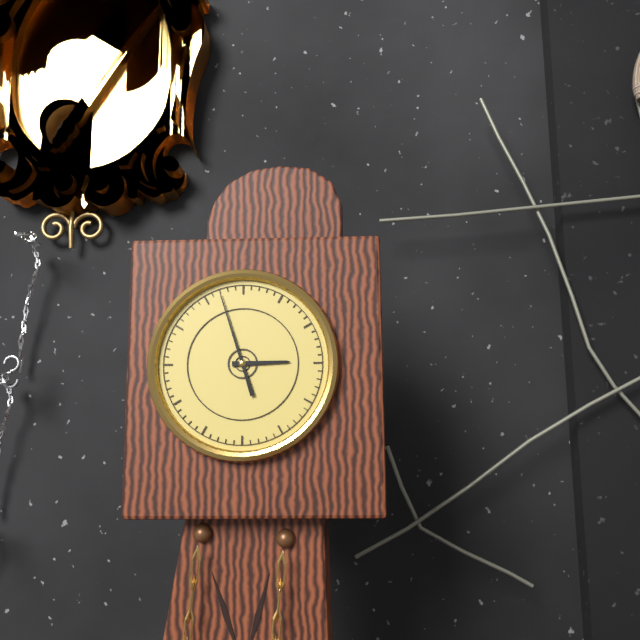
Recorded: 2 h 57 min
